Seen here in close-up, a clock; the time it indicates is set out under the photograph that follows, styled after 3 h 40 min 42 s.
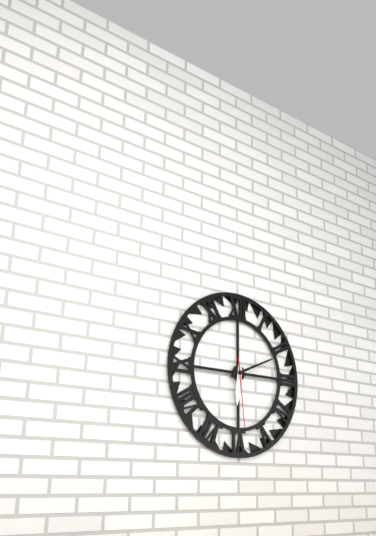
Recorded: 6 h 11 min 29 s
